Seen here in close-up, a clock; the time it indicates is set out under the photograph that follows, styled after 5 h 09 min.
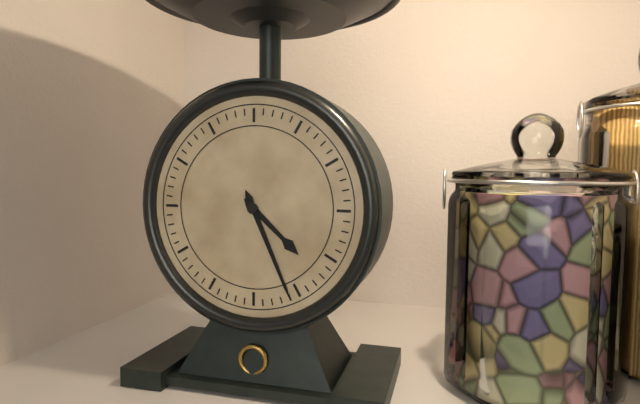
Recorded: 4 h 26 min
